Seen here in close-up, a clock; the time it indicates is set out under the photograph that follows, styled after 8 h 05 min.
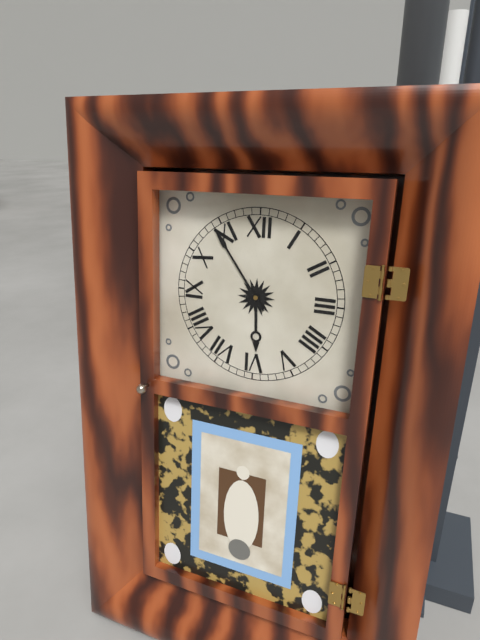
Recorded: 5 h 54 min
